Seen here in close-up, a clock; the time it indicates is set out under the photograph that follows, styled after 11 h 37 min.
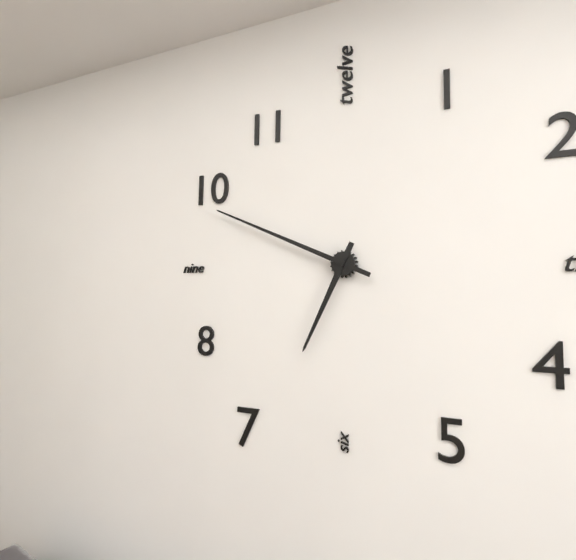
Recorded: 6 h 49 min
